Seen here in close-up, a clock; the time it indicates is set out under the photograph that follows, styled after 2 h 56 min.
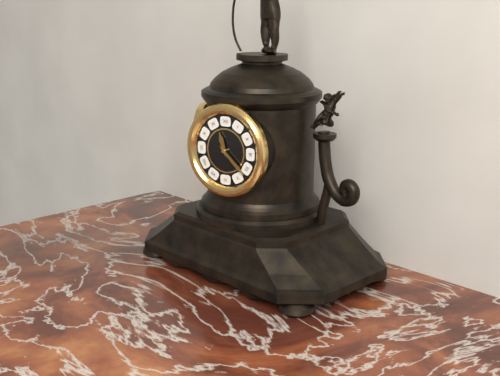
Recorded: 11 h 22 min
